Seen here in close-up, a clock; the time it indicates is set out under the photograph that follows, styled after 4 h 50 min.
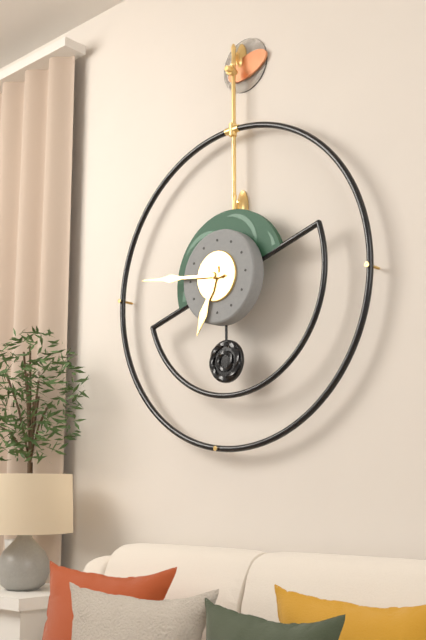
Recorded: 6 h 46 min
